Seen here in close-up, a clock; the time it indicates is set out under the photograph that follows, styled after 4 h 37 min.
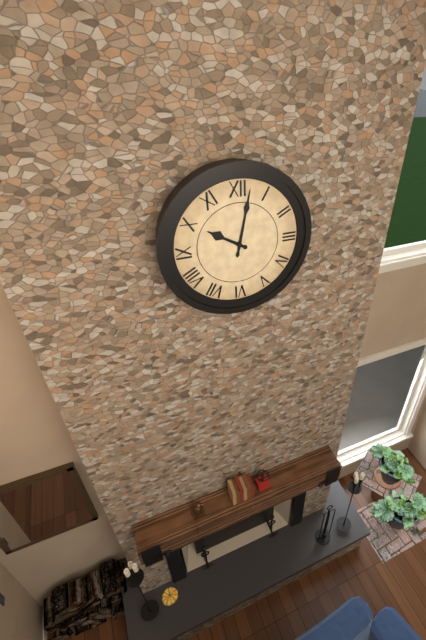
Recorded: 10 h 02 min
